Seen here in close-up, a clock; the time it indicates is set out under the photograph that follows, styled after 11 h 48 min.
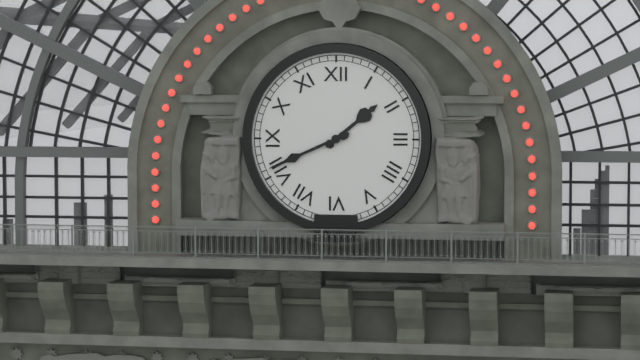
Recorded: 1 h 41 min
